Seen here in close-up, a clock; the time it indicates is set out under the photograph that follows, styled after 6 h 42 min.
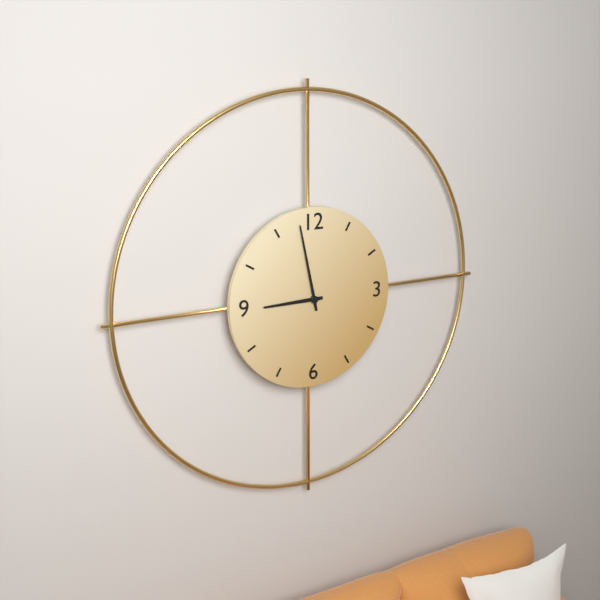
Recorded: 8 h 58 min
